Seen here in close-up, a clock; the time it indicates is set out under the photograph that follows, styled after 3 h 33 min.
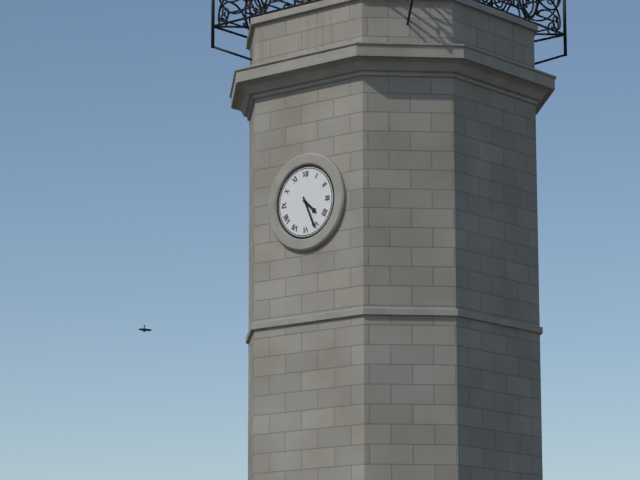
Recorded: 4 h 26 min
